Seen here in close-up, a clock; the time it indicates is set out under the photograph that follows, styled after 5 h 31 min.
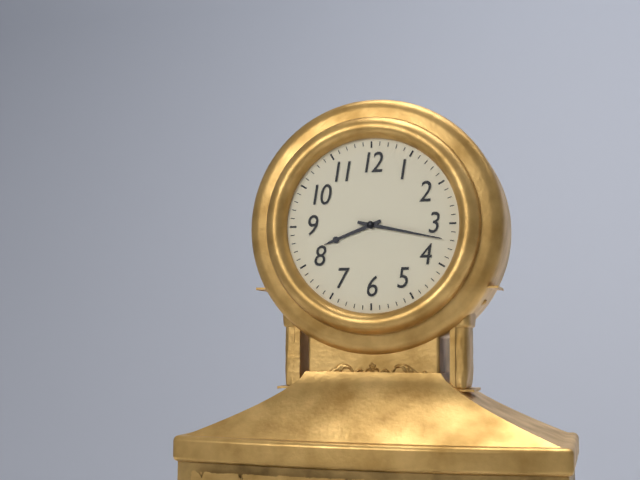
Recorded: 8 h 17 min
